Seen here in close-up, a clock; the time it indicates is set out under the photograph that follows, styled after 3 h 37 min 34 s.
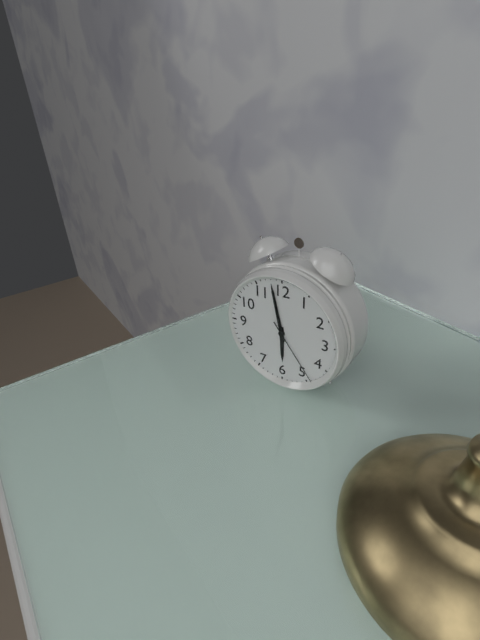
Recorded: 5 h 58 min 24 s
